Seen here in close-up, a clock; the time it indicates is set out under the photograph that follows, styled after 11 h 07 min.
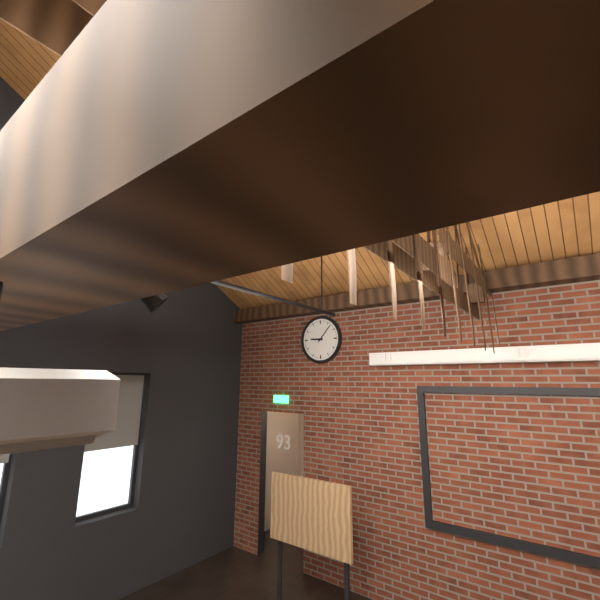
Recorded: 9 h 07 min
